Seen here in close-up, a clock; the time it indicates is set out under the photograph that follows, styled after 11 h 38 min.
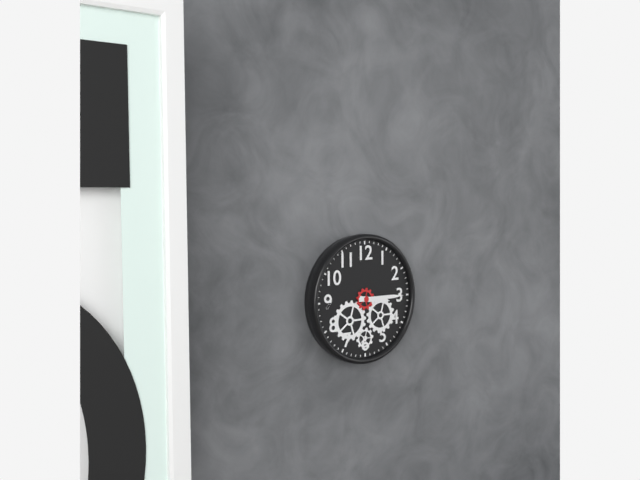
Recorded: 3 h 15 min
